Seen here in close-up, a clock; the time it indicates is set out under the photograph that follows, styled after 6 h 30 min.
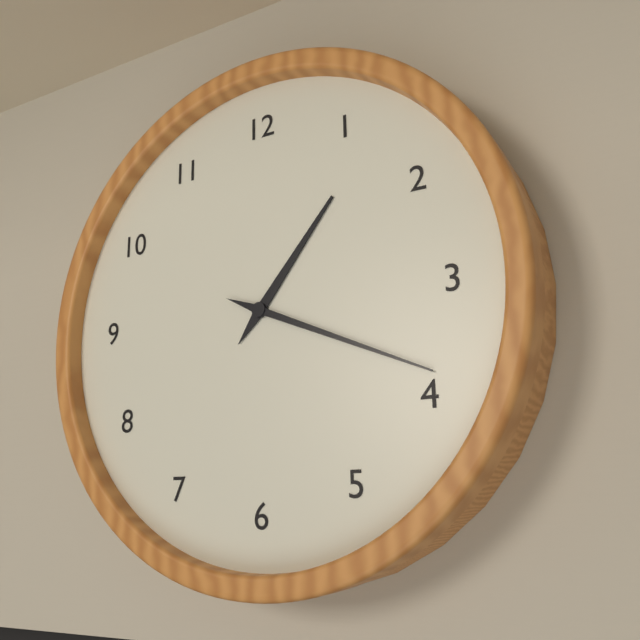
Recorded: 1 h 19 min
